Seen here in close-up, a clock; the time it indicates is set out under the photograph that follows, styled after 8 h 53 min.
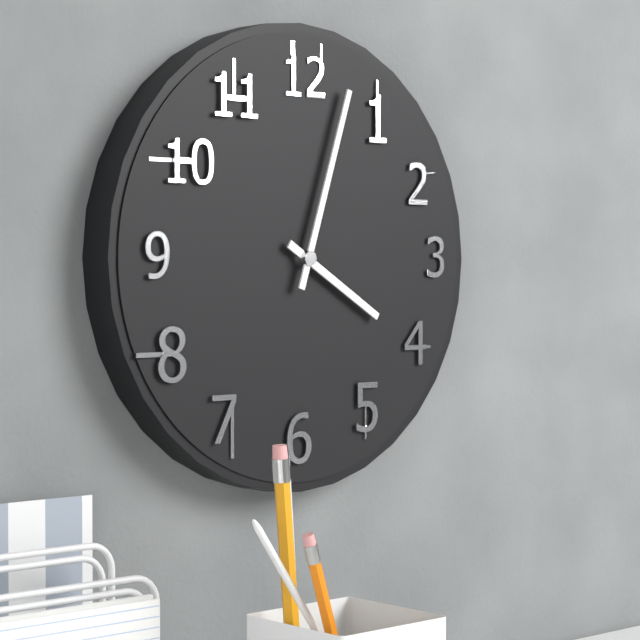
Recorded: 4 h 03 min
